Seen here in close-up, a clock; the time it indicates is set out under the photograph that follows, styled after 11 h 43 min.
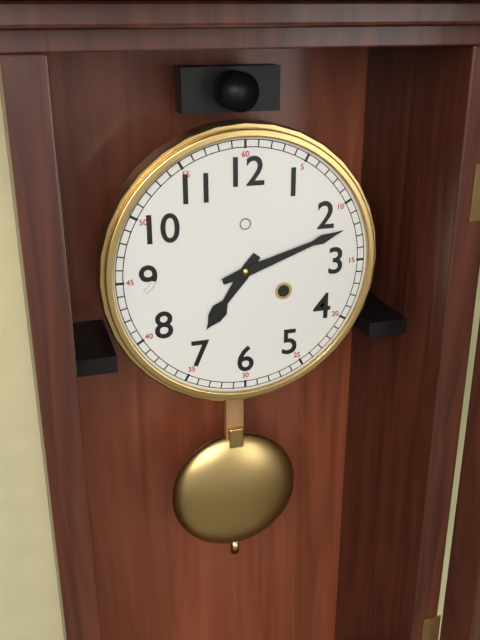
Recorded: 7 h 12 min
